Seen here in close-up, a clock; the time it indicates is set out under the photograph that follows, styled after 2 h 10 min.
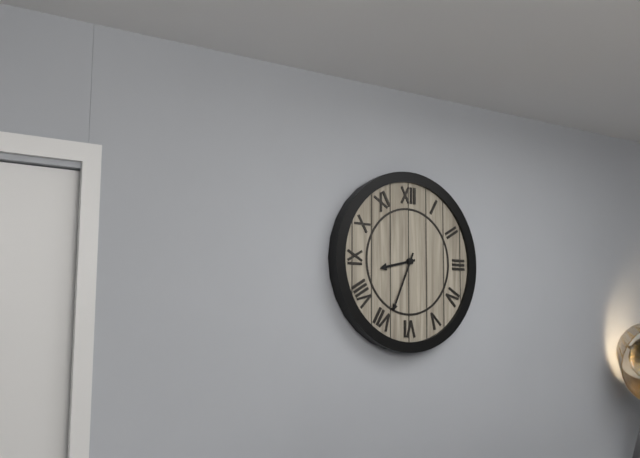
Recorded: 8 h 34 min
